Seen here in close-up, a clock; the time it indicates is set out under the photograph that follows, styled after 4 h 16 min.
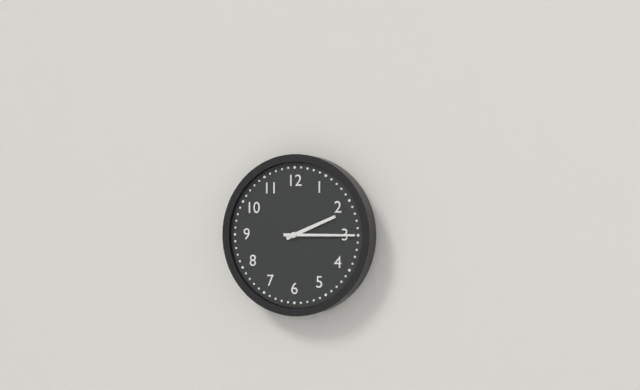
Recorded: 2 h 15 min
